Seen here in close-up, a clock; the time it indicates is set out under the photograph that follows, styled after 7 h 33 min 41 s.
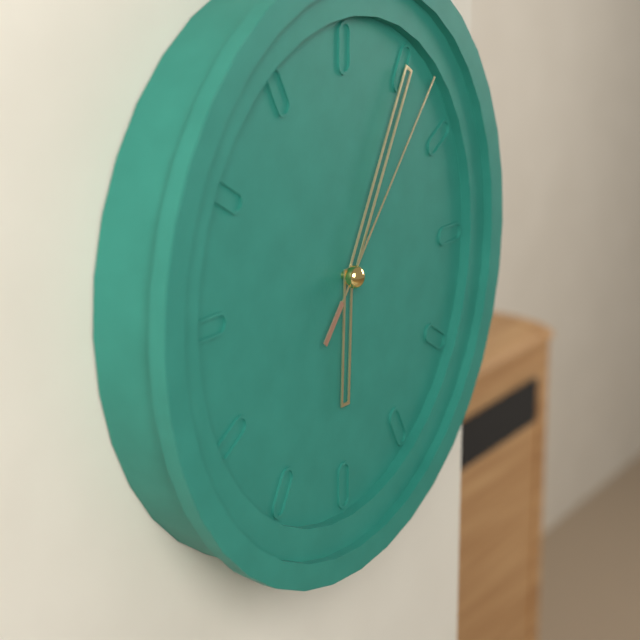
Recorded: 6 h 05 min 07 s
